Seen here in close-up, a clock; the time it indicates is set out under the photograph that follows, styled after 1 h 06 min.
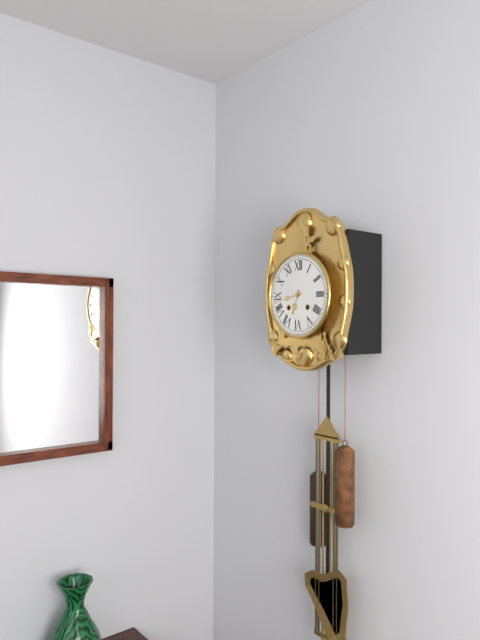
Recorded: 6 h 43 min
